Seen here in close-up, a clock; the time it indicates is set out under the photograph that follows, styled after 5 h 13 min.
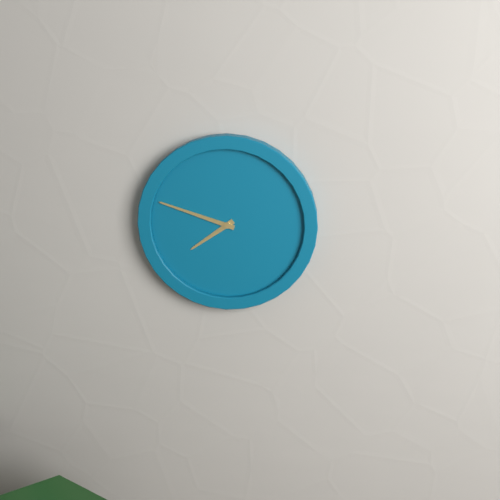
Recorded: 7 h 48 min
